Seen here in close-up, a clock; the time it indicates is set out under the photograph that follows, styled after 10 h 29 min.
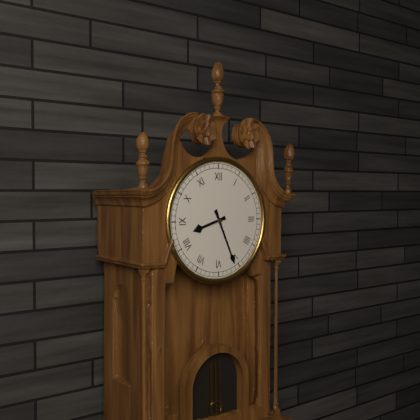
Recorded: 8 h 26 min
